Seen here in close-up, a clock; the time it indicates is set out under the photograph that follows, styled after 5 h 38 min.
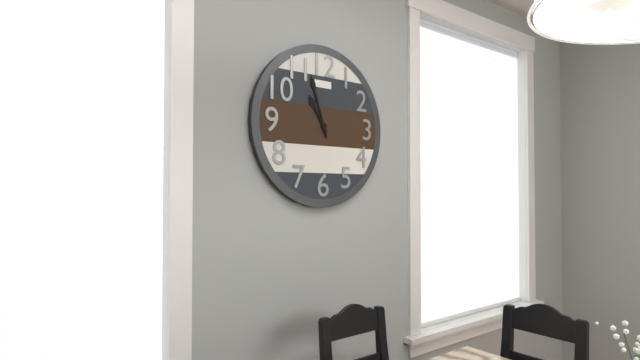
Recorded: 10 h 57 min
